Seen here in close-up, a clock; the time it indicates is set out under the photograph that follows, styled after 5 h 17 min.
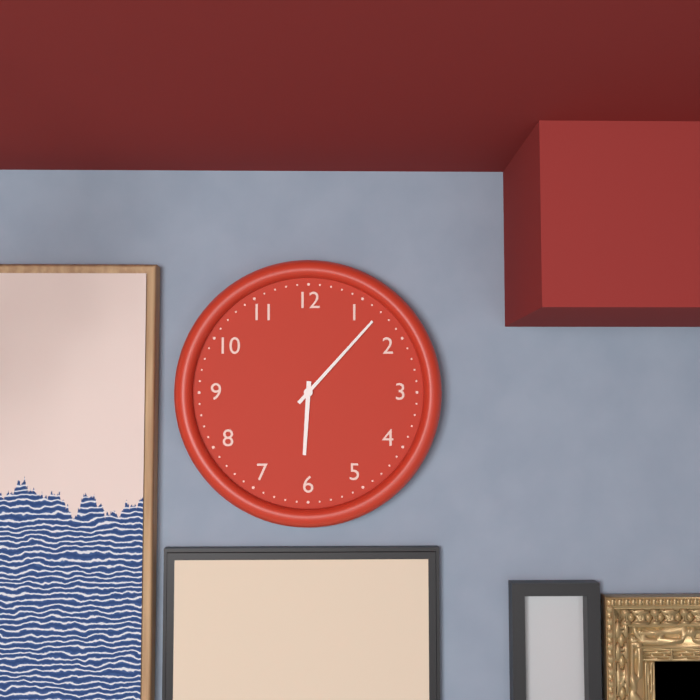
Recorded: 6 h 07 min
